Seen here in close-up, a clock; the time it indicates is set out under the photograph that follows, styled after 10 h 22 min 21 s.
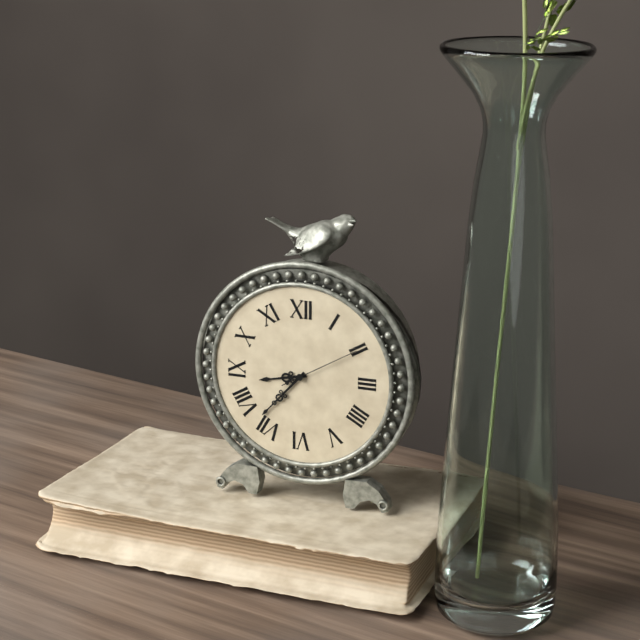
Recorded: 8 h 37 min 10 s
